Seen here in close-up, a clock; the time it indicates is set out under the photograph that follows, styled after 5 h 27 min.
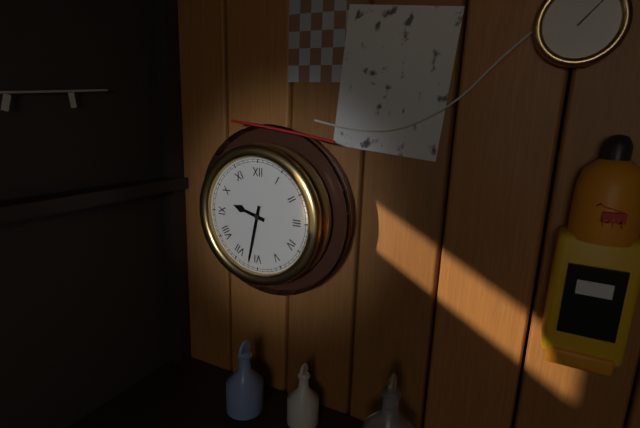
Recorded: 9 h 32 min
